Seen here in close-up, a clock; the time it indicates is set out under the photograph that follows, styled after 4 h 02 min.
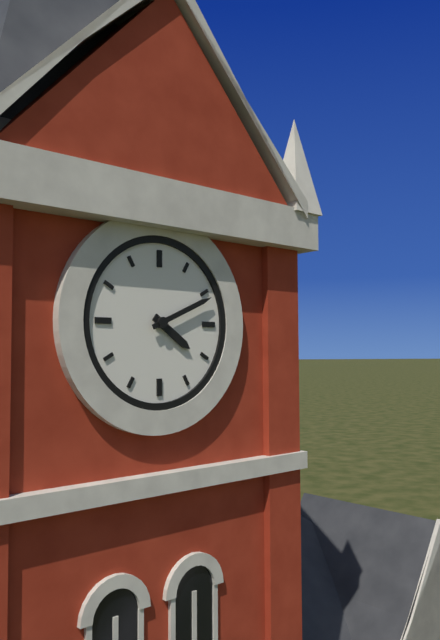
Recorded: 4 h 11 min
